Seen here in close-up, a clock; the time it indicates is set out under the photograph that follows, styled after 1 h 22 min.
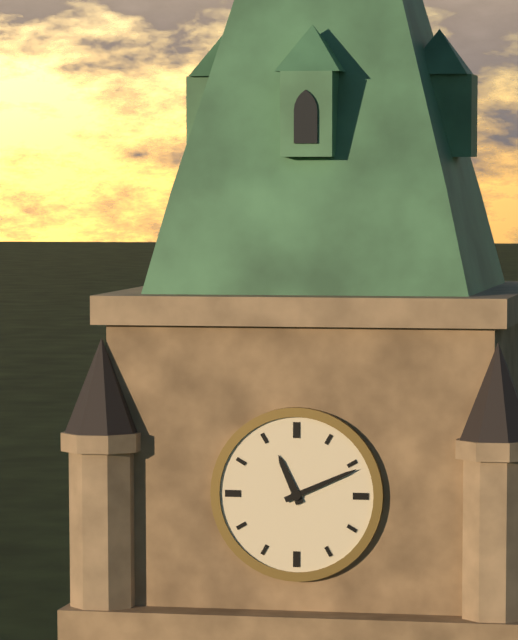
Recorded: 11 h 11 min
